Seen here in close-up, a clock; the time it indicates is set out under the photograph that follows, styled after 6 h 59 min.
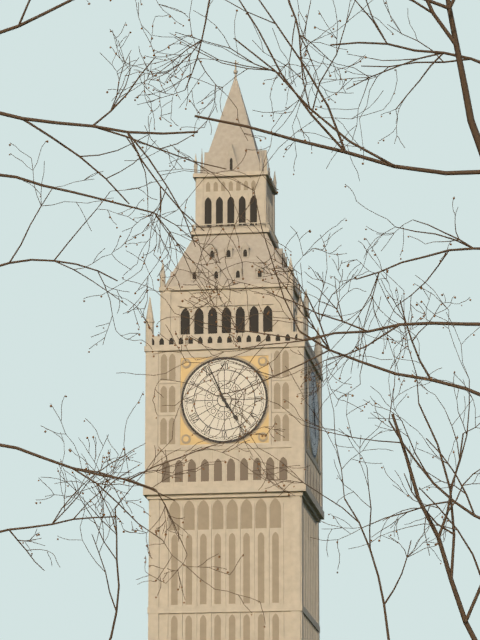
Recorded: 4 h 56 min
